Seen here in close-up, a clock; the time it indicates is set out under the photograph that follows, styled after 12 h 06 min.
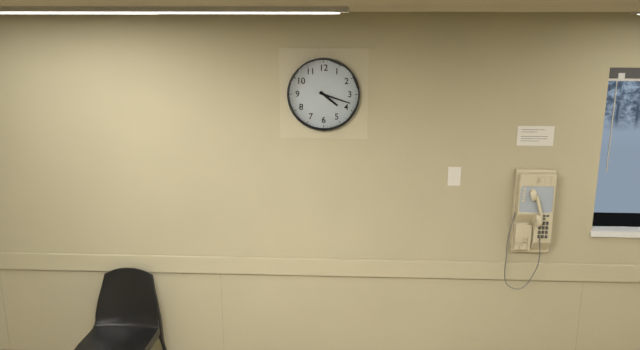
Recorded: 4 h 18 min
